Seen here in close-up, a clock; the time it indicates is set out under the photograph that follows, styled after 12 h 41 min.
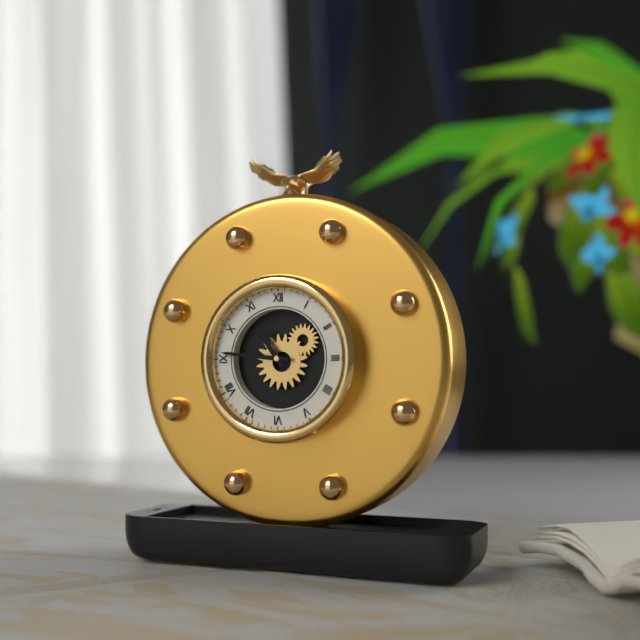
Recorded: 10 h 46 min
